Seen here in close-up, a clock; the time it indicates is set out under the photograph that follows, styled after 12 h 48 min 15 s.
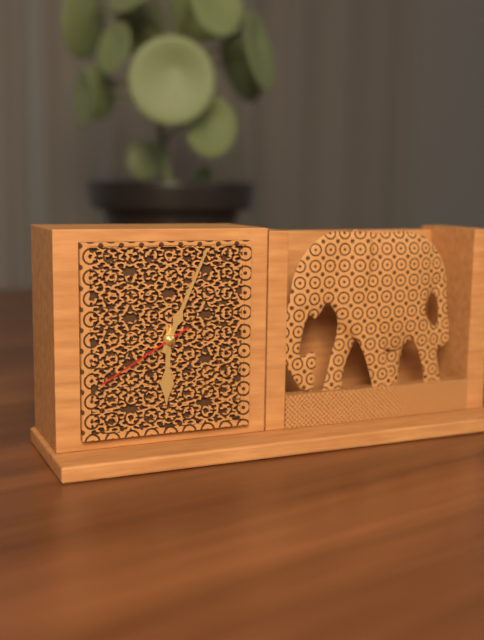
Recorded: 6 h 04 min 40 s
